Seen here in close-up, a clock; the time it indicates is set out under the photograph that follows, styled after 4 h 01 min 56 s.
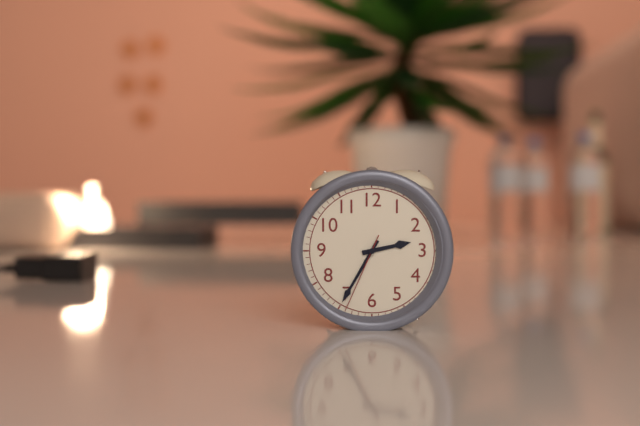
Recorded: 2 h 35 min 34 s
